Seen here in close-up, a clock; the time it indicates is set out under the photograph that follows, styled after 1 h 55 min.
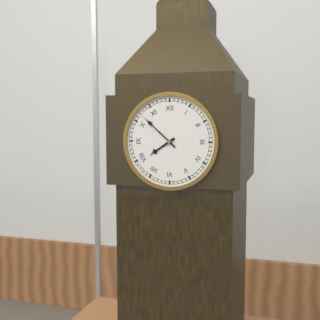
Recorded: 7 h 52 min
